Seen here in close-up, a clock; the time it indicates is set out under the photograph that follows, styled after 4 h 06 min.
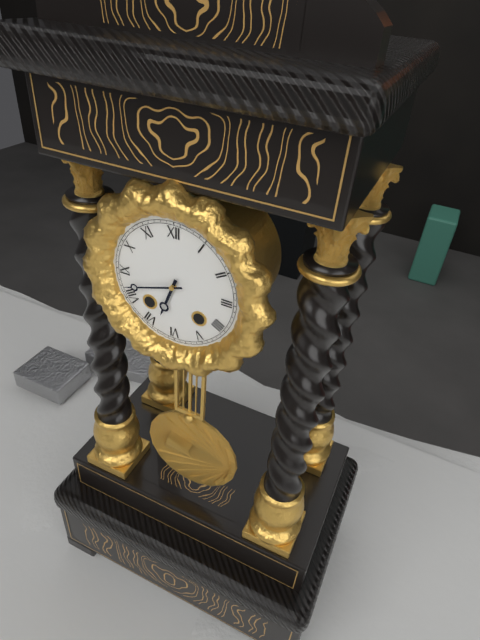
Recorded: 6 h 42 min
